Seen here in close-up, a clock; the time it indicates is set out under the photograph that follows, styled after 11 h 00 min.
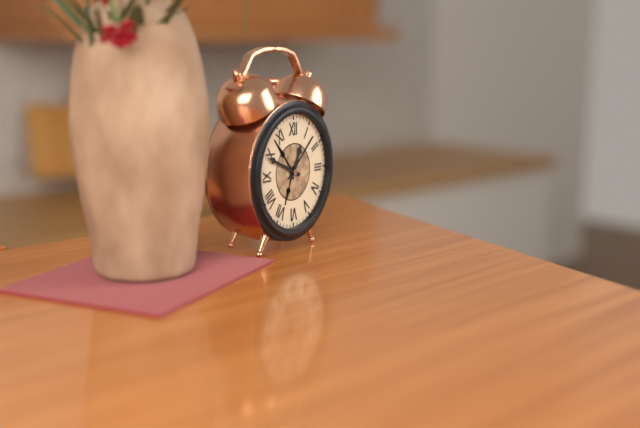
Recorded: 12 h 49 min
